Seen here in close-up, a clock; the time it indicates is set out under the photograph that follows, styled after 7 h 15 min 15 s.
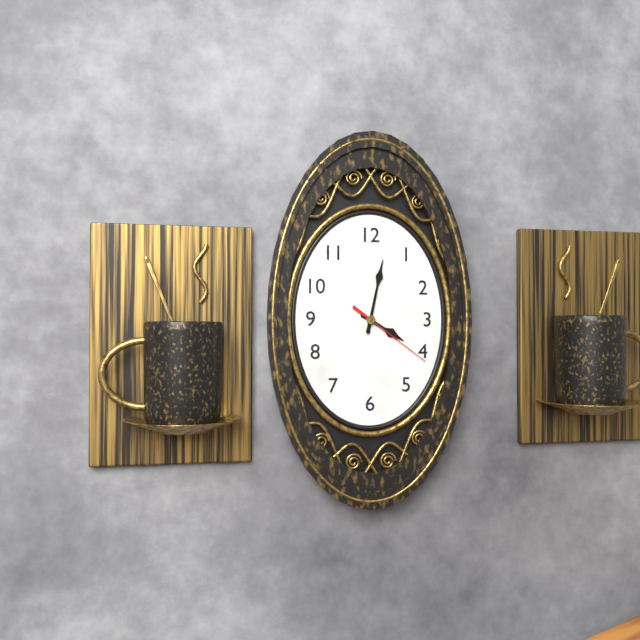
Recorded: 4 h 02 min 21 s
